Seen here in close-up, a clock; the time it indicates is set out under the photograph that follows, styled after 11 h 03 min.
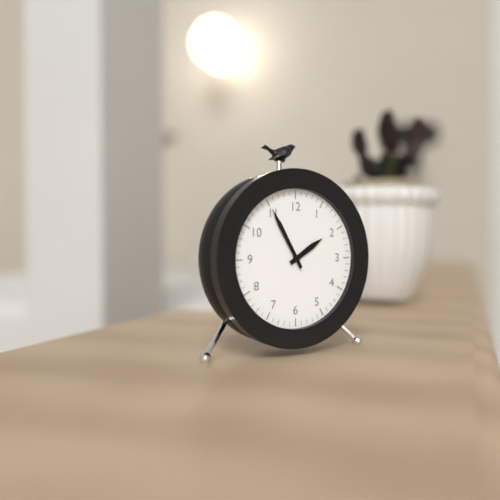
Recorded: 1 h 55 min
